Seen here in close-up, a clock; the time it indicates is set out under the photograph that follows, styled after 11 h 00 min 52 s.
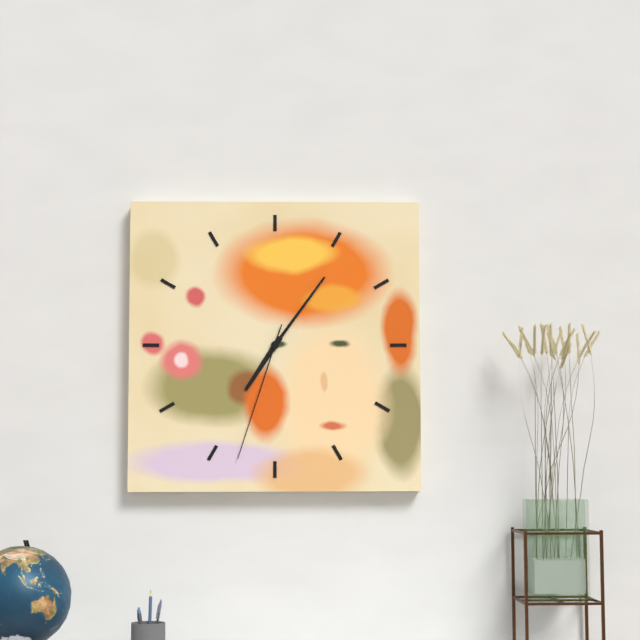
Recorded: 7 h 06 min 33 s
